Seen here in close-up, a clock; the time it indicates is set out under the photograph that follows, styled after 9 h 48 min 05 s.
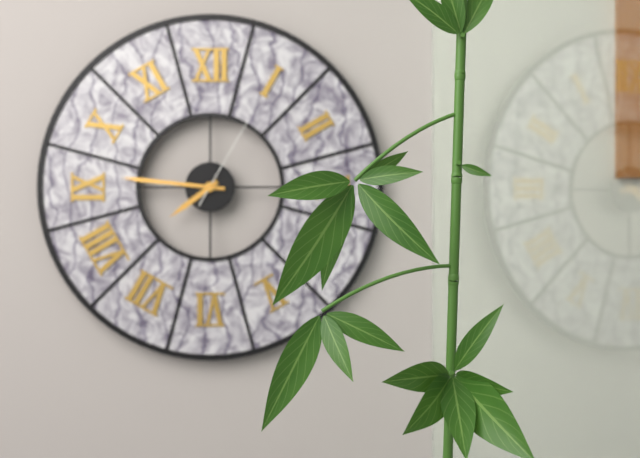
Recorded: 7 h 46 min 05 s
